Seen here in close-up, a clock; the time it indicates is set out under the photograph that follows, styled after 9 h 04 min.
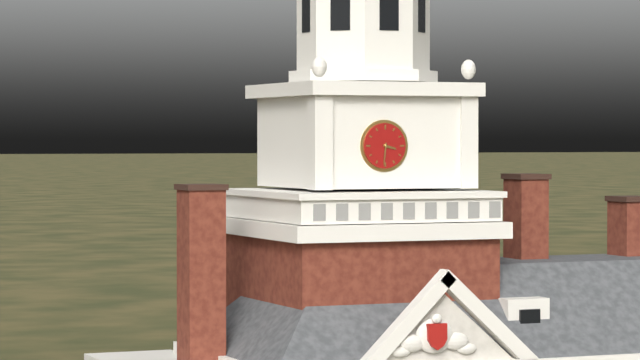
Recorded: 3 h 31 min
